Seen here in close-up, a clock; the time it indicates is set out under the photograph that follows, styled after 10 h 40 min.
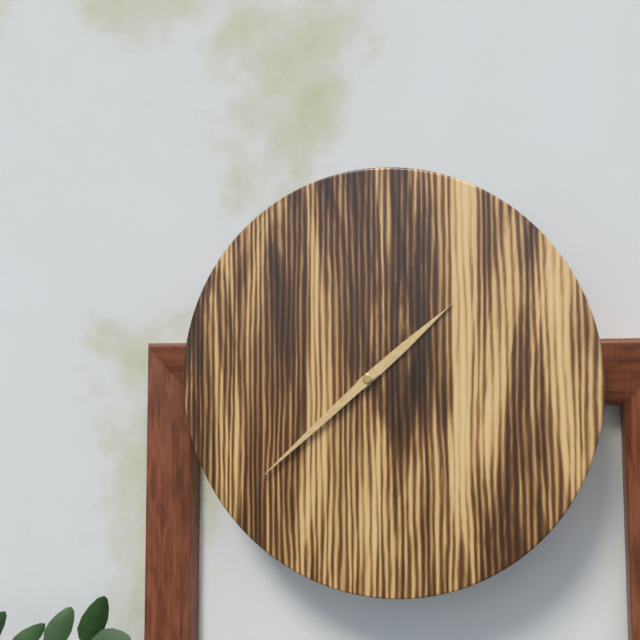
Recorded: 1 h 38 min
